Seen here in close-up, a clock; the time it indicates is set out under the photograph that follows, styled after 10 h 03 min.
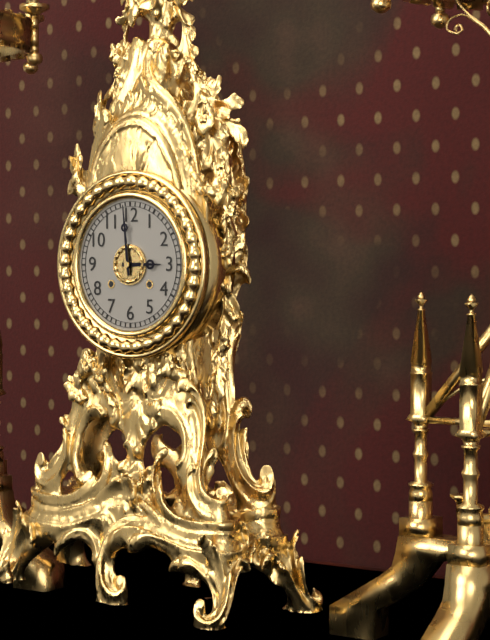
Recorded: 2 h 59 min
